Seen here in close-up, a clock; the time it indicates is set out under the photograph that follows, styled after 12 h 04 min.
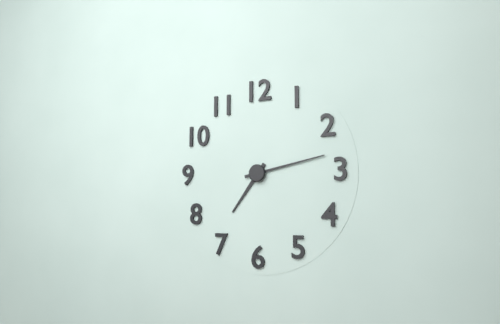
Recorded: 7 h 13 min
